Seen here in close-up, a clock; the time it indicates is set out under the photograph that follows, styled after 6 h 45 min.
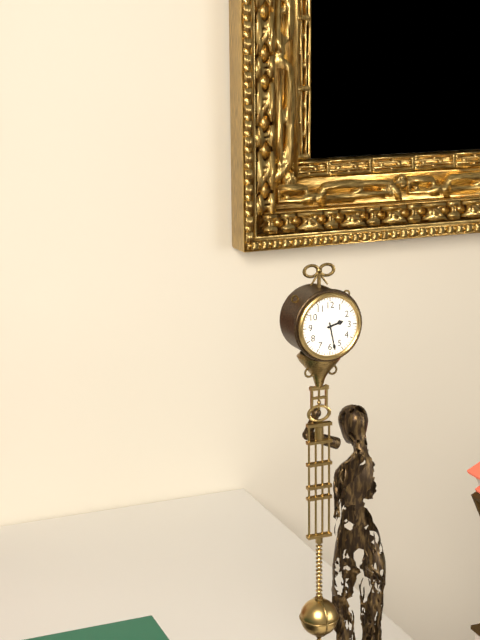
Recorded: 2 h 28 min
